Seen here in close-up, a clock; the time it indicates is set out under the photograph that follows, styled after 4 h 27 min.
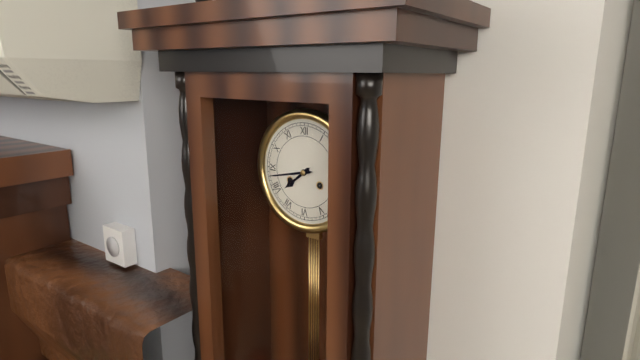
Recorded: 7 h 43 min
